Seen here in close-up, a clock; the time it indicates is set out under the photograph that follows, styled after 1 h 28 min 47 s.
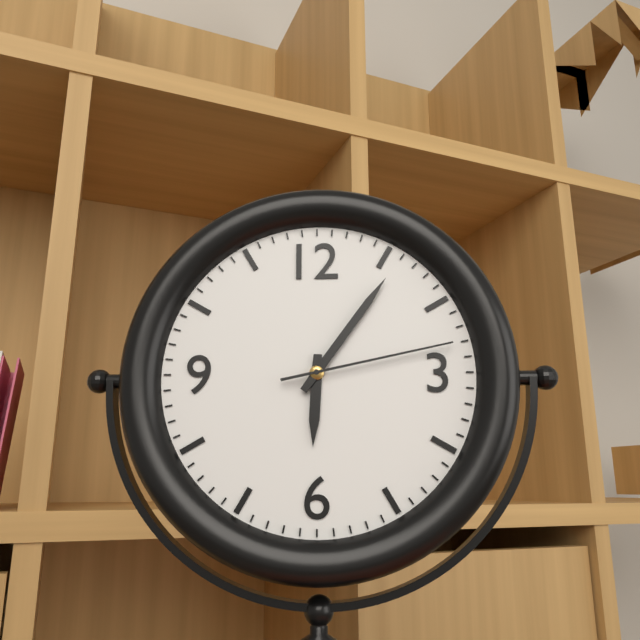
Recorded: 6 h 06 min 13 s
